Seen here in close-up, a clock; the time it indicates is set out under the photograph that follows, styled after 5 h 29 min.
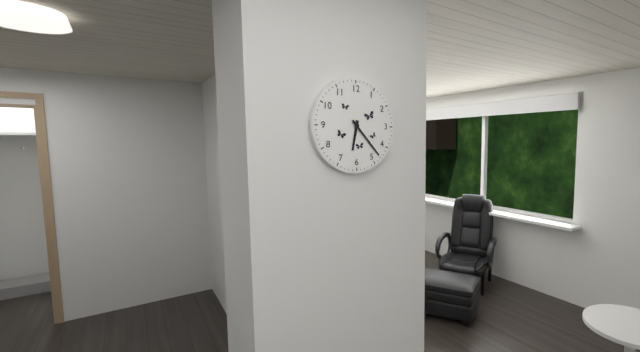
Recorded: 6 h 23 min
